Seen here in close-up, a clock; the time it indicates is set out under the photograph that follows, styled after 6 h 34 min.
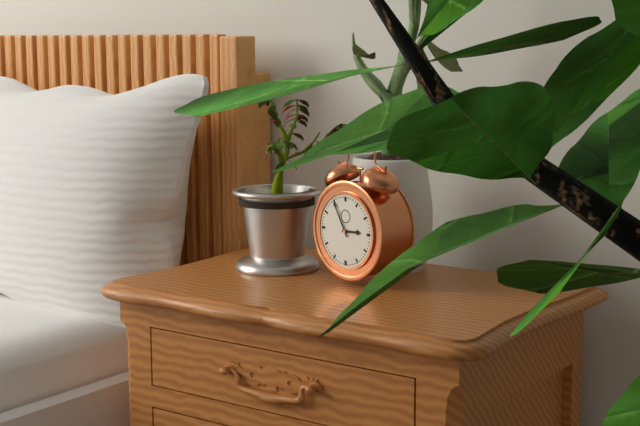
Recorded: 2 h 55 min
